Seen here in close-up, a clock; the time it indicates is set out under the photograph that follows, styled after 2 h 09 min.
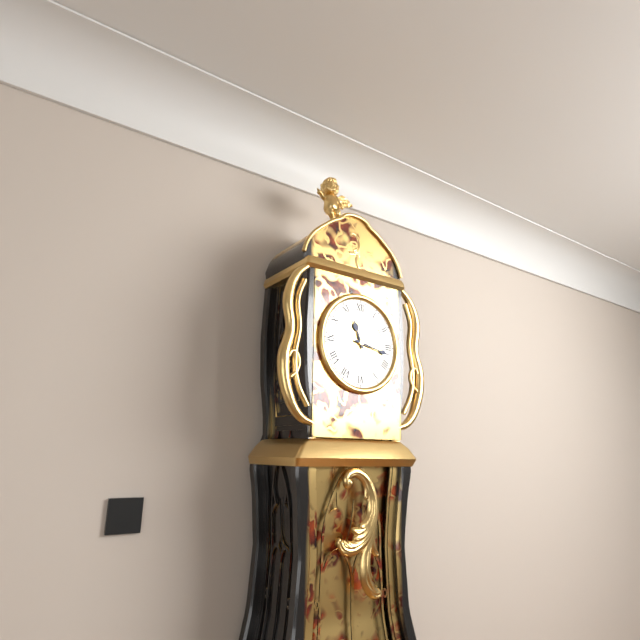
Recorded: 11 h 17 min
